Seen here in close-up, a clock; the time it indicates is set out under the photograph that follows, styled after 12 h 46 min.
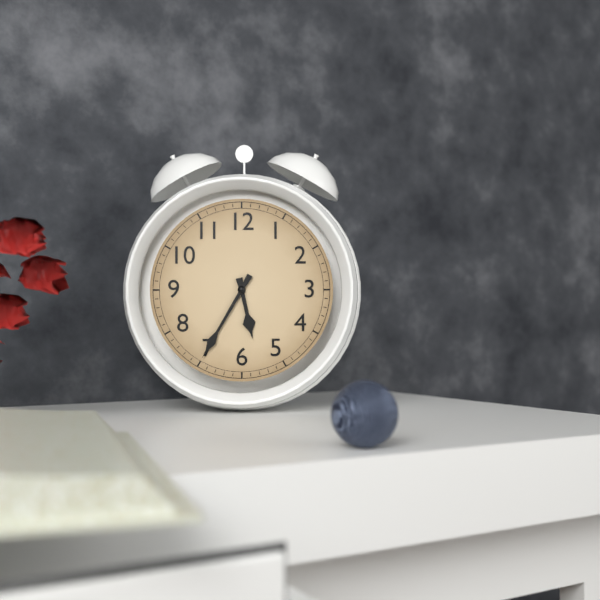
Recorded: 5 h 35 min
